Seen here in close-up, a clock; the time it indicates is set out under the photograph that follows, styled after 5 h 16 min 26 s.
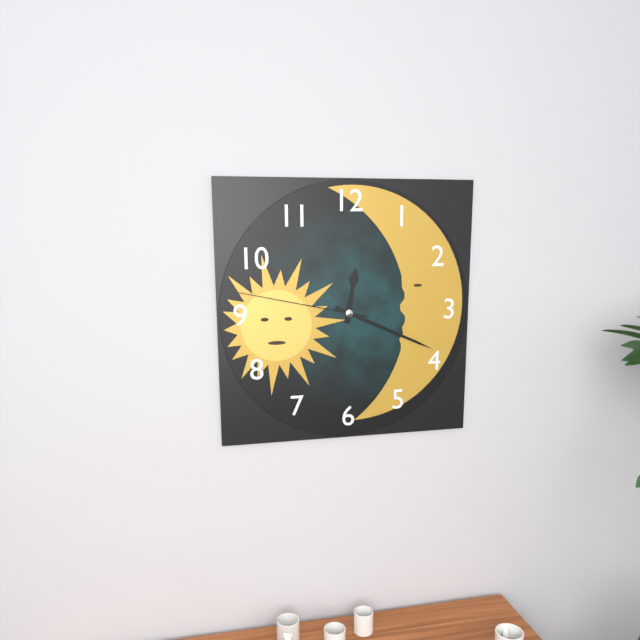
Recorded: 12 h 19 min 47 s
